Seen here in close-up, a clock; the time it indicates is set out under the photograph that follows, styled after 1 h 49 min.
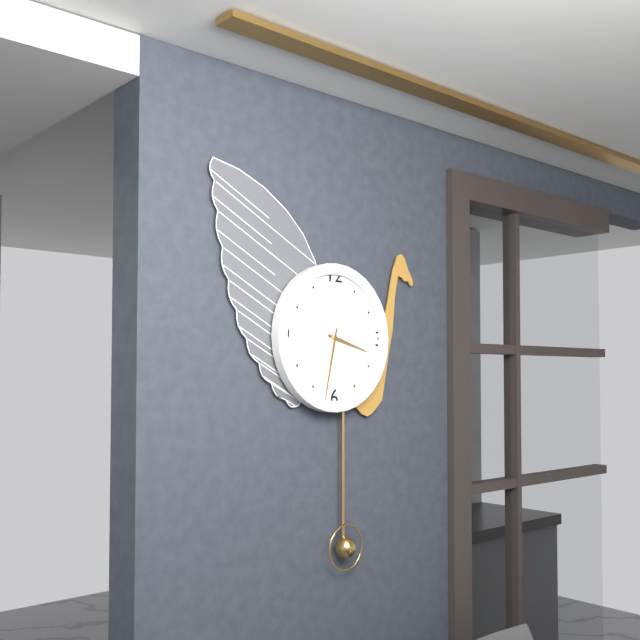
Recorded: 3 h 32 min
